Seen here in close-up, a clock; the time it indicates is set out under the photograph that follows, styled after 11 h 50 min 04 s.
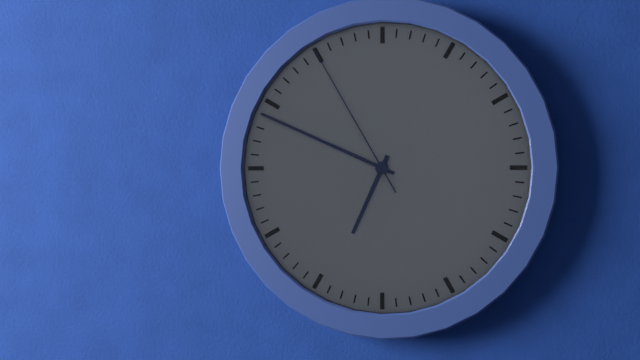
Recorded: 6 h 49 min 55 s
